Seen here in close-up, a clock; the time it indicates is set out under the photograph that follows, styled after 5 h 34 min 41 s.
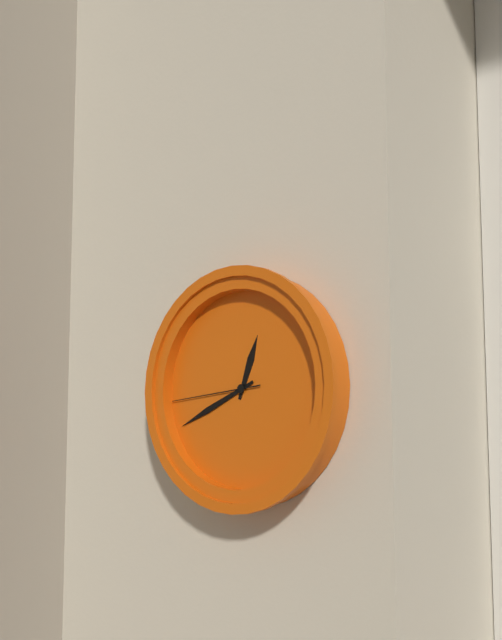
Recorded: 12 h 41 min 44 s
